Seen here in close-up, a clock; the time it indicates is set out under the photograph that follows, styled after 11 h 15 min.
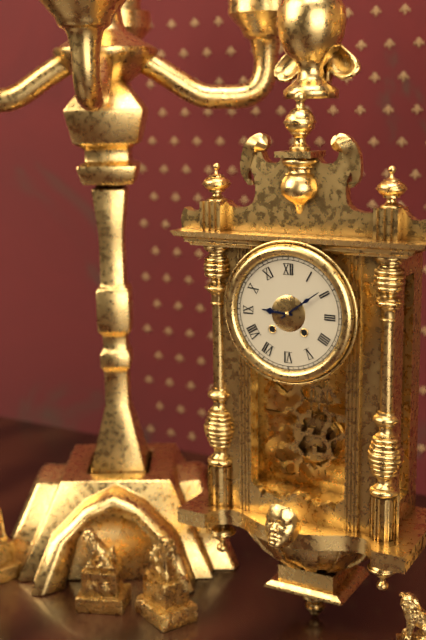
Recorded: 9 h 09 min
